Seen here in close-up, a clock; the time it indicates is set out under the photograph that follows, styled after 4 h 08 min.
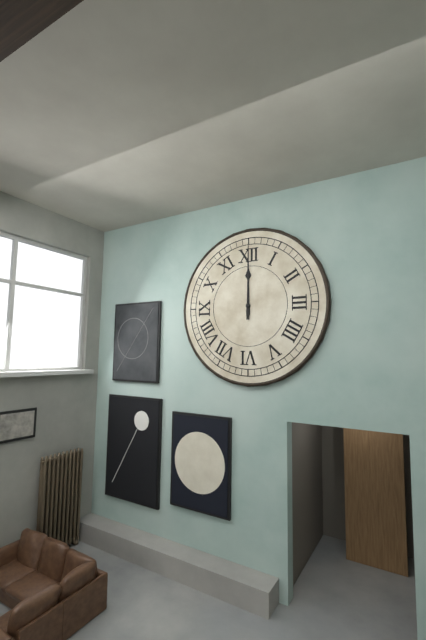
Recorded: 12 h 00 min
